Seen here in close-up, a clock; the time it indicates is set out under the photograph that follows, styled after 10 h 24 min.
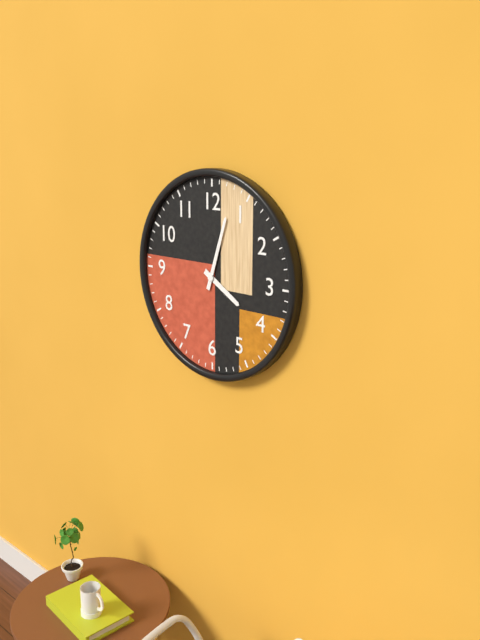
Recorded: 4 h 03 min
